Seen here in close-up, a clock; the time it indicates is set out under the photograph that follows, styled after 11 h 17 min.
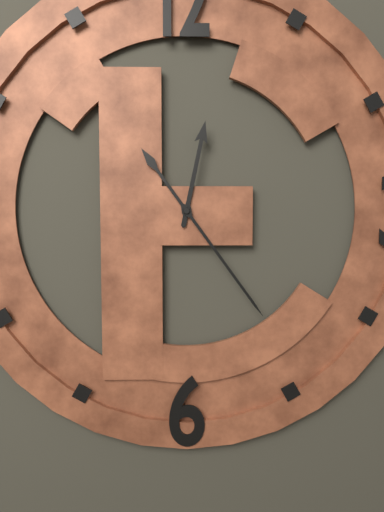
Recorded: 12 h 24 min
